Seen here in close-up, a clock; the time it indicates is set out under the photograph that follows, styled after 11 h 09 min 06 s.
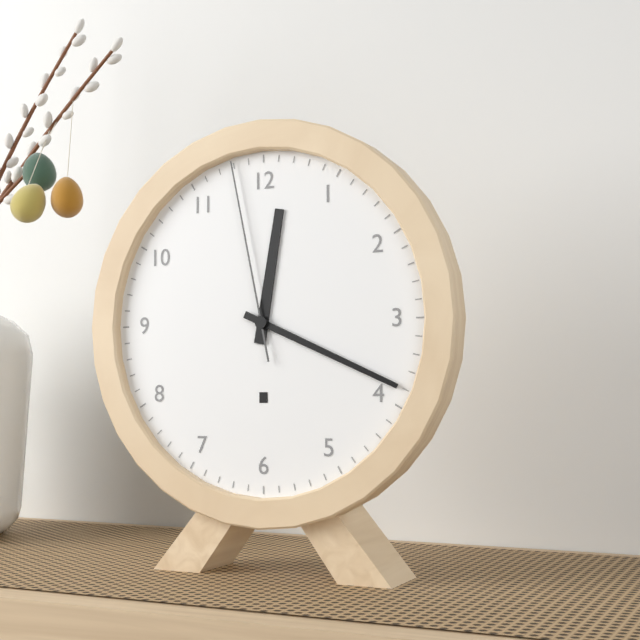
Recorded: 12 h 19 min 58 s
